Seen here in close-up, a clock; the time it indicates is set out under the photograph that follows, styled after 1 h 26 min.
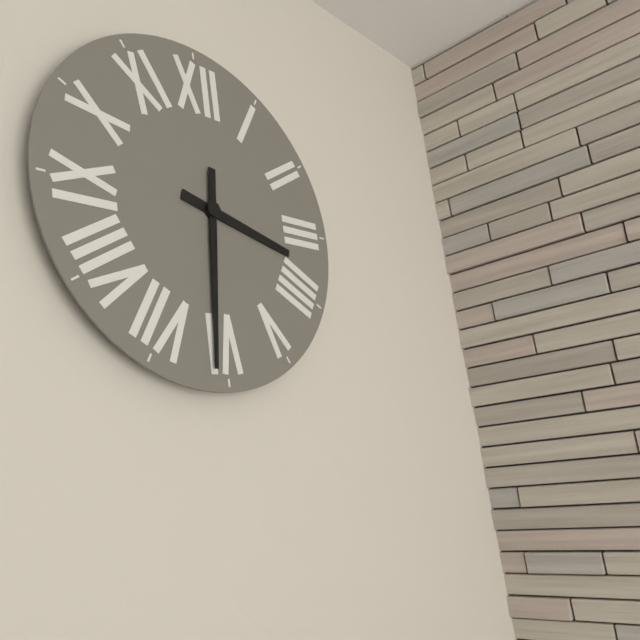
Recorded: 3 h 31 min
